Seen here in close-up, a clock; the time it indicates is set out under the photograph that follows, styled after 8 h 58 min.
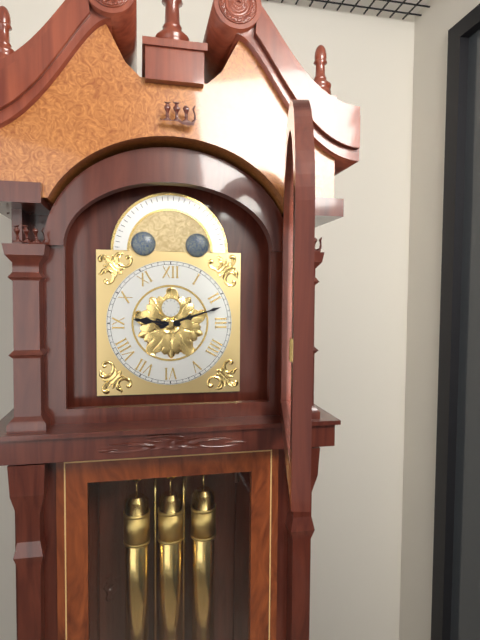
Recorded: 9 h 12 min
